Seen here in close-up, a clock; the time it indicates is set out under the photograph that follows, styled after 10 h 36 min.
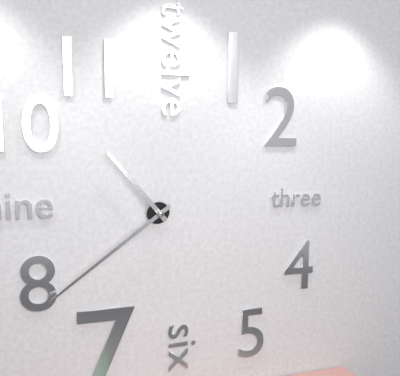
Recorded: 10 h 39 min
